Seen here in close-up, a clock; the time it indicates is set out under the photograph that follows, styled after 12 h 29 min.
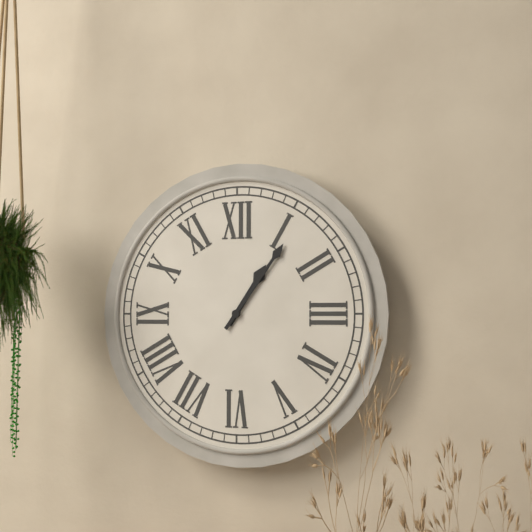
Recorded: 1 h 06 min
